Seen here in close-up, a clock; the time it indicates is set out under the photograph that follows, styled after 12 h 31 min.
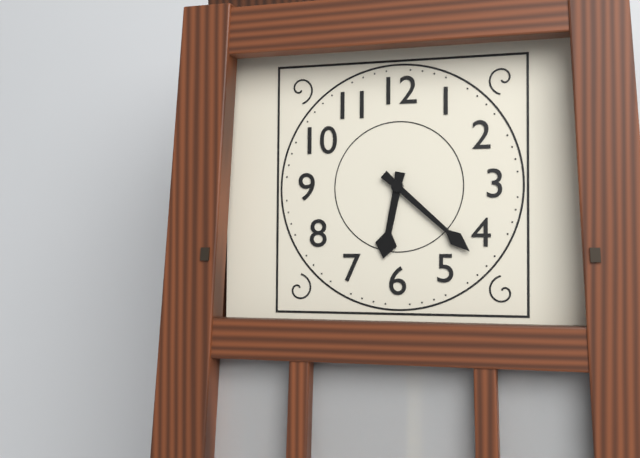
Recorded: 6 h 22 min
